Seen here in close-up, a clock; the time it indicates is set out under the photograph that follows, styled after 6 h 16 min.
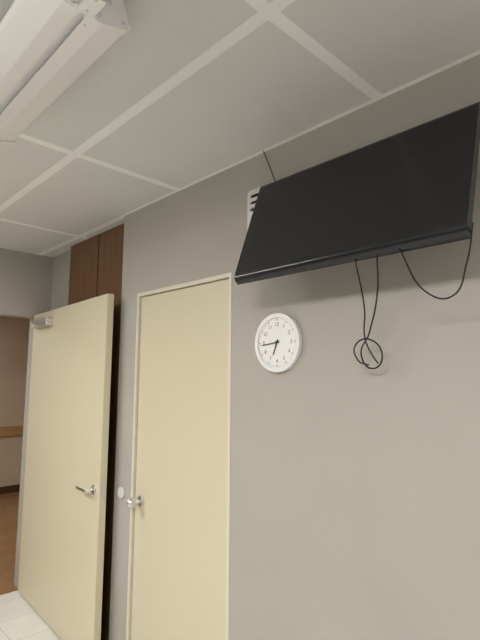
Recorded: 6 h 44 min
